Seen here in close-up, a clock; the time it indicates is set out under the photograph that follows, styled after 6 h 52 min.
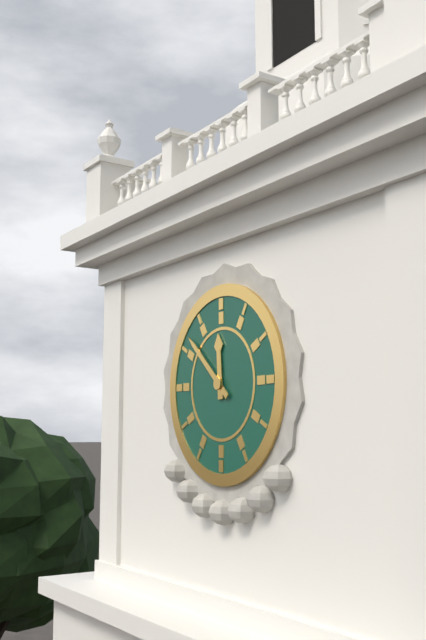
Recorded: 11 h 52 min
